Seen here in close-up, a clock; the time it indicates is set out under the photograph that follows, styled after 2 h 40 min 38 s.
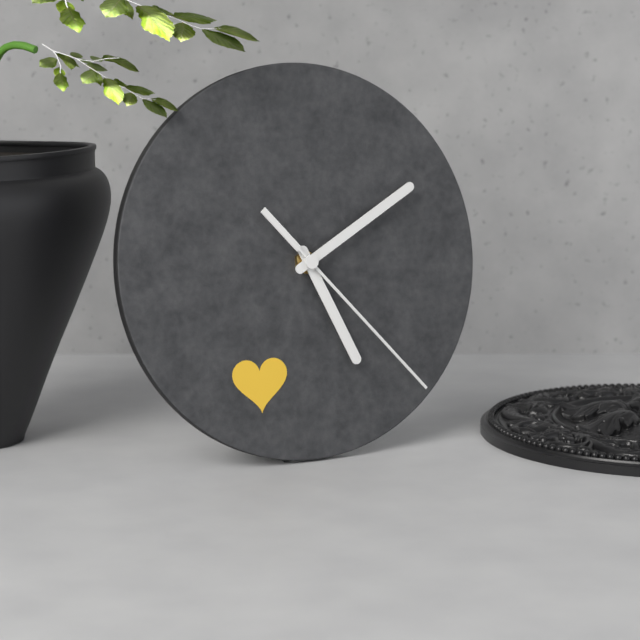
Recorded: 5 h 10 min 23 s
